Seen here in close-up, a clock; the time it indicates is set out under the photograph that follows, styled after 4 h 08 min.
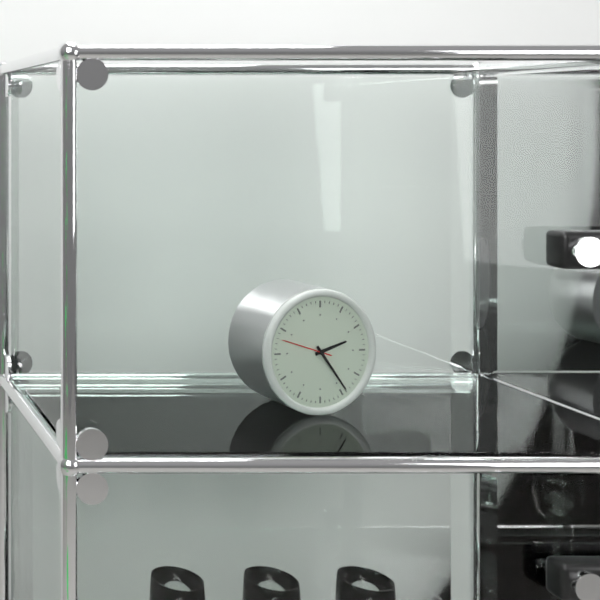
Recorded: 2 h 24 min
